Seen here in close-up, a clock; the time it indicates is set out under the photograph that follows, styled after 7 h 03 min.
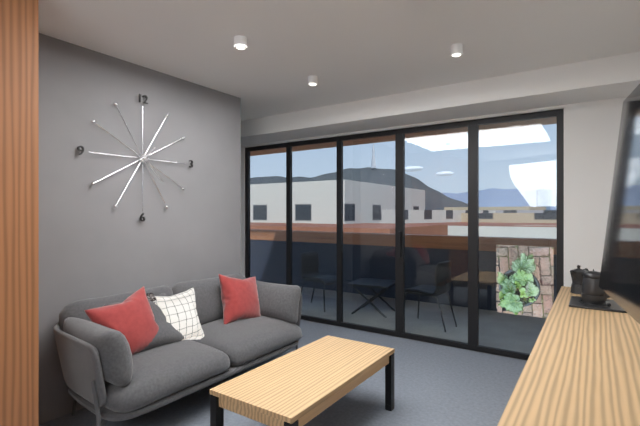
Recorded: 1 h 23 min
